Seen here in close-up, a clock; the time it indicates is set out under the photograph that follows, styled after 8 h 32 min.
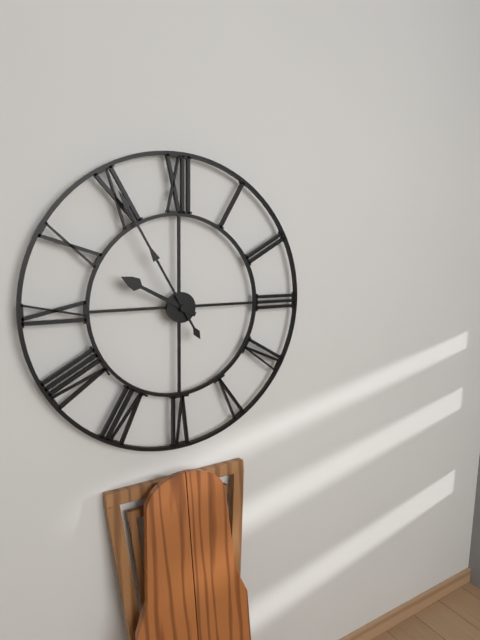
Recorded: 9 h 55 min
